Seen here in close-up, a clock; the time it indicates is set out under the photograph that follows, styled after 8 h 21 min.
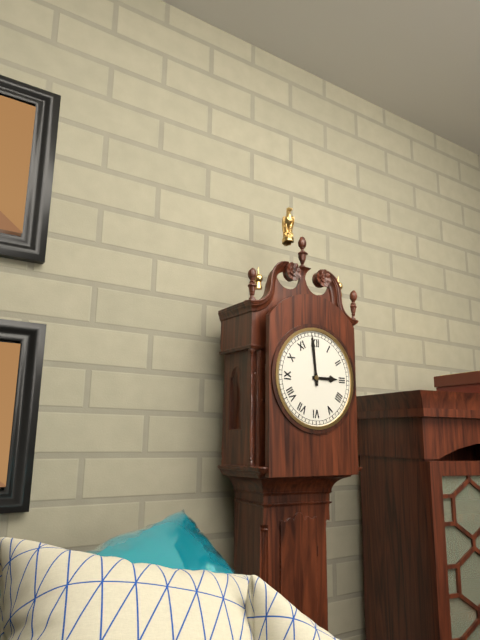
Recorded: 2 h 59 min
